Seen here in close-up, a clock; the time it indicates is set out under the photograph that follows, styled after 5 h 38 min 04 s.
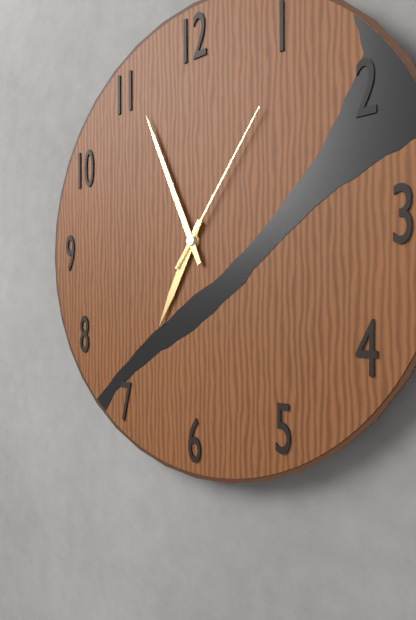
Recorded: 6 h 56 min 06 s
